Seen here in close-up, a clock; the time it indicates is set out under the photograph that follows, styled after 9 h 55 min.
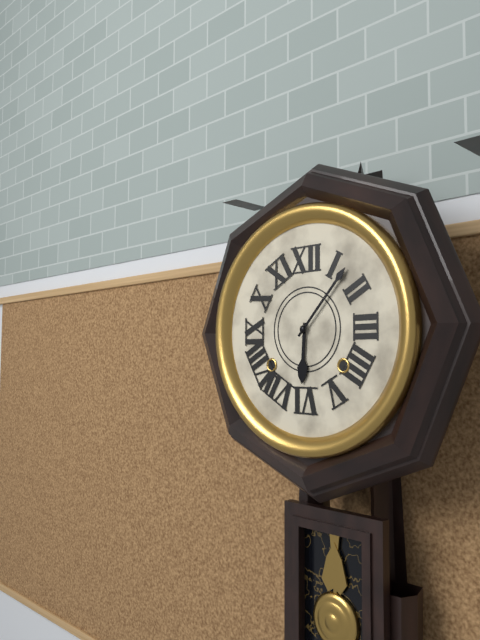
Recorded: 6 h 07 min
